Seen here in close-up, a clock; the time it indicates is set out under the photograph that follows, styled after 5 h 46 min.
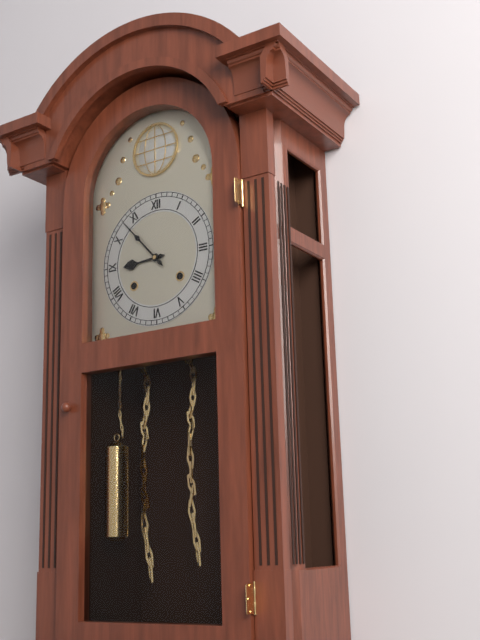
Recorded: 8 h 53 min
